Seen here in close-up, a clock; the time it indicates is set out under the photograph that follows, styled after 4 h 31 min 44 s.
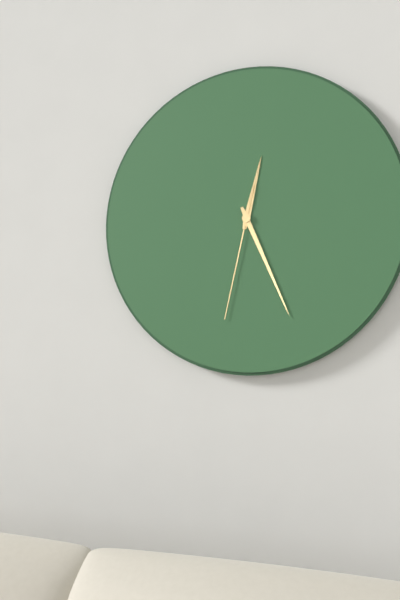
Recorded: 12 h 26 min 32 s
